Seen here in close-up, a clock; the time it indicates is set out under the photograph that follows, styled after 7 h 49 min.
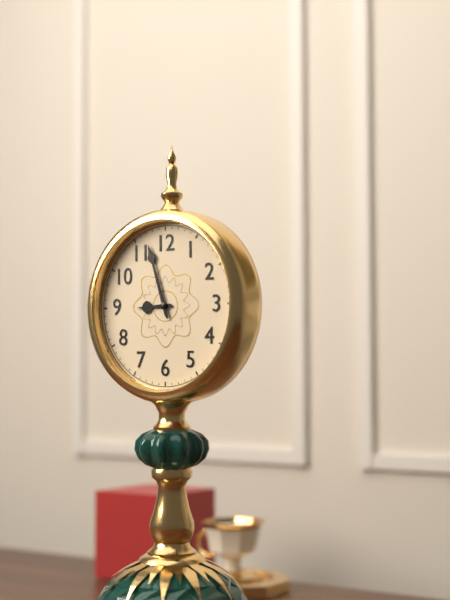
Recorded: 8 h 57 min
